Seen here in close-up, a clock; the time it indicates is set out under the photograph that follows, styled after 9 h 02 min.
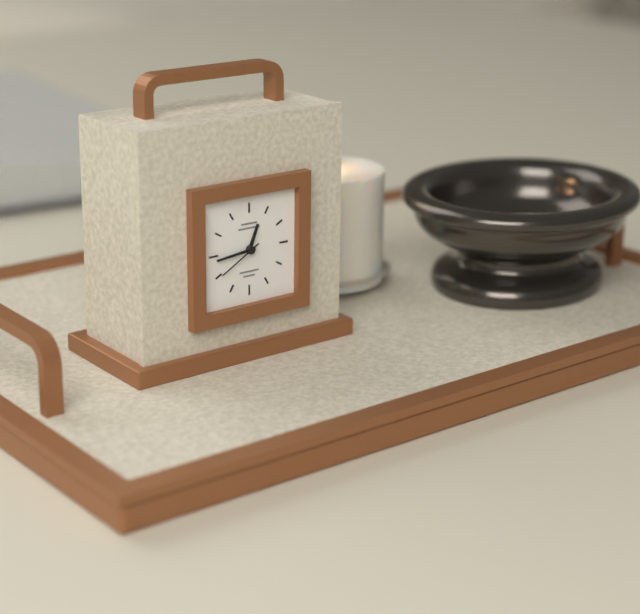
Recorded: 12 h 44 min
